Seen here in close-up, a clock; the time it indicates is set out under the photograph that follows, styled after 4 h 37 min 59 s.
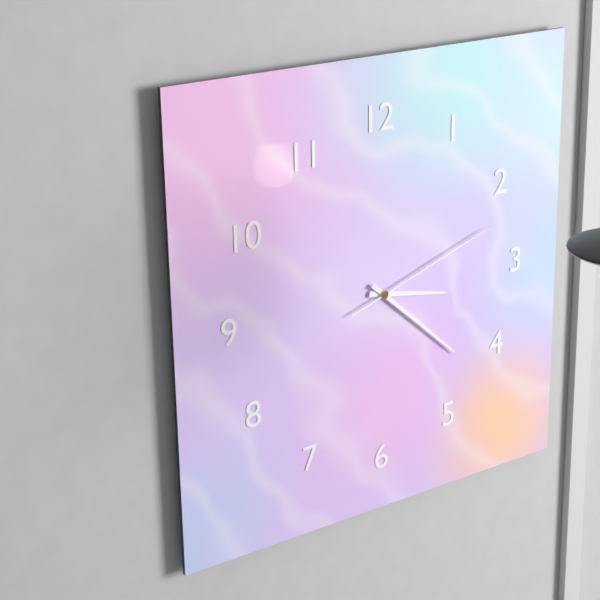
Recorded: 3 h 22 min 12 s
